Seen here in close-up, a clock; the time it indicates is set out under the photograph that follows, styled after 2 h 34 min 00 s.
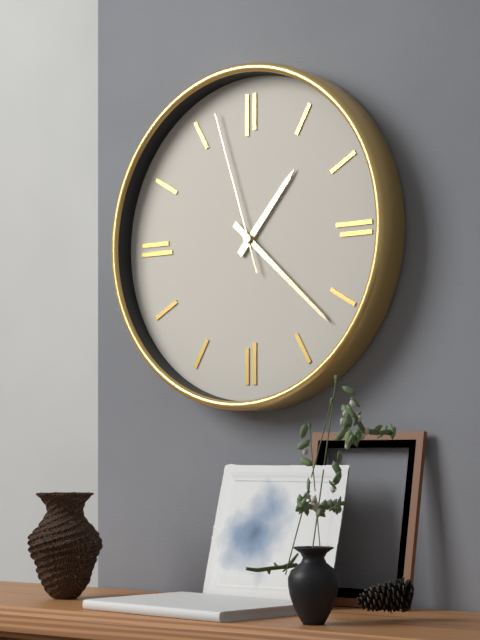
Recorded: 1 h 22 min 57 s
